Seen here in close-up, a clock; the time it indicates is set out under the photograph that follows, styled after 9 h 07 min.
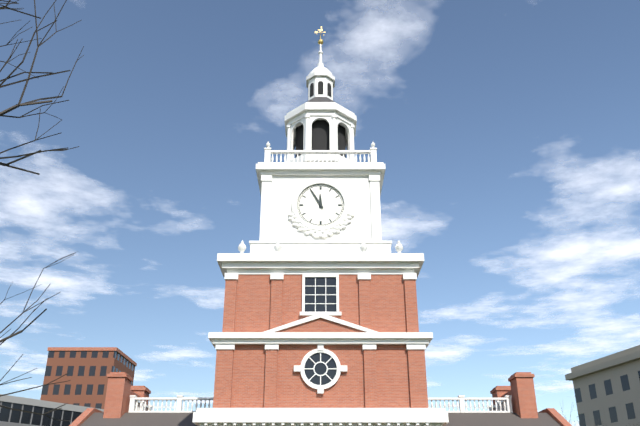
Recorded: 11 h 55 min
